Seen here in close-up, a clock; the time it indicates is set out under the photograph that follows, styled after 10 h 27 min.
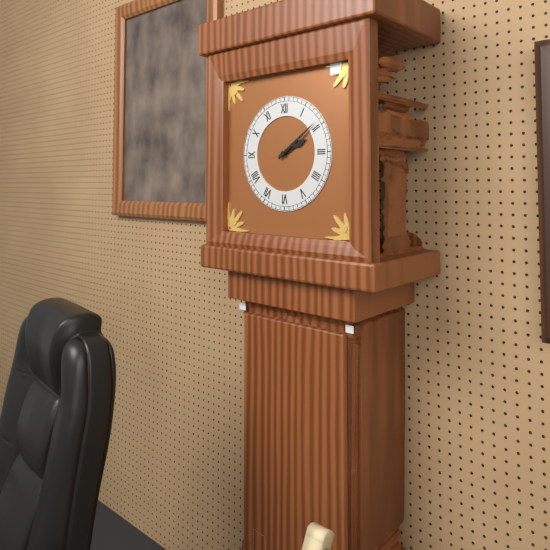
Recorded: 2 h 09 min
